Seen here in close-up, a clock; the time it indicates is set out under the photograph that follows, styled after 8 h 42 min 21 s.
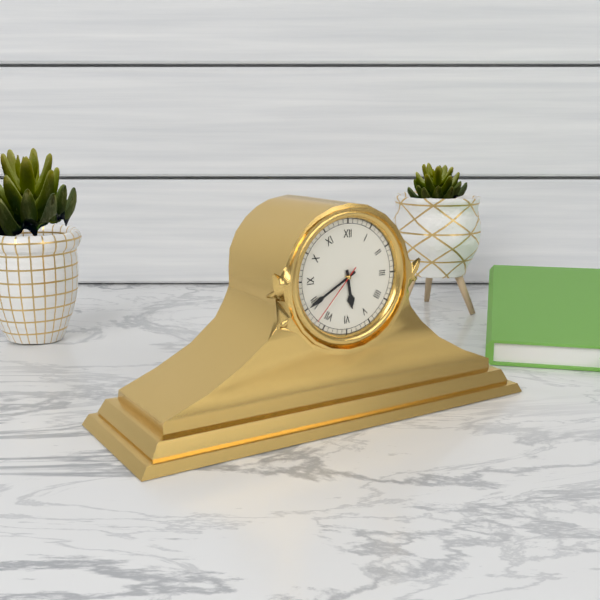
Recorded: 5 h 40 min 37 s
